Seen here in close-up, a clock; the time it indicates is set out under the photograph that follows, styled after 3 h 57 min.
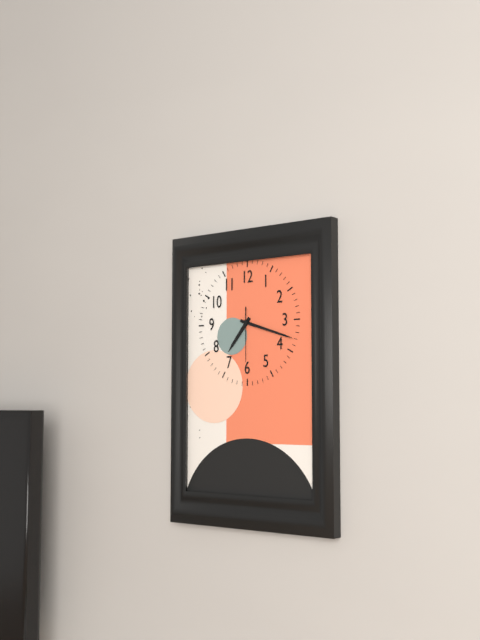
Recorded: 7 h 18 min
